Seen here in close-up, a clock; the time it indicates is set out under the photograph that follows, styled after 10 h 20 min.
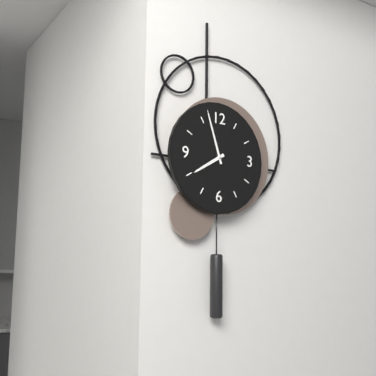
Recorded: 7 h 57 min
